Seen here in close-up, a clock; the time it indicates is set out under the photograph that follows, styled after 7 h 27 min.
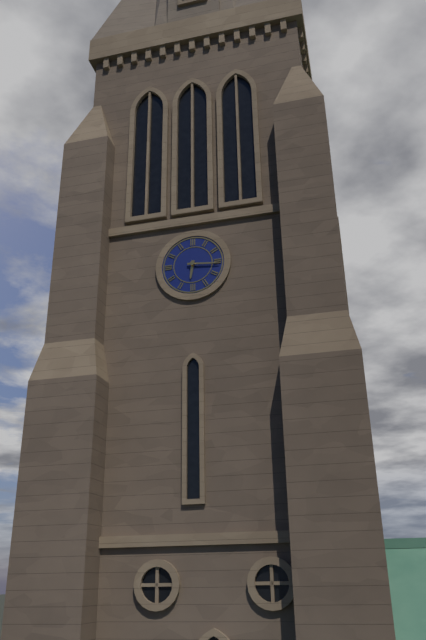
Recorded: 6 h 16 min
